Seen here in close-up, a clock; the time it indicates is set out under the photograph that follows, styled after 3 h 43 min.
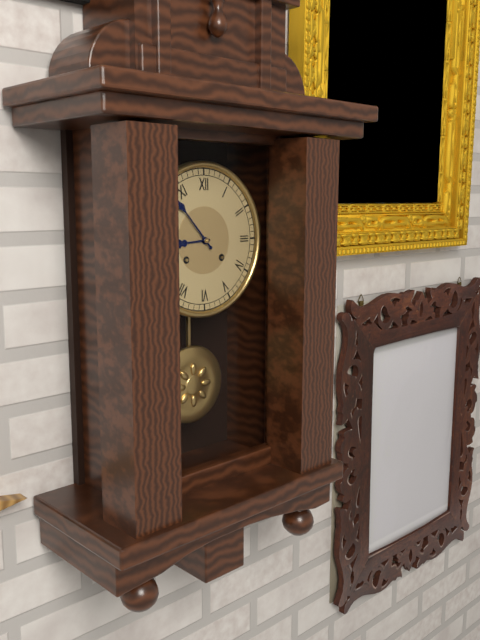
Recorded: 8 h 53 min
